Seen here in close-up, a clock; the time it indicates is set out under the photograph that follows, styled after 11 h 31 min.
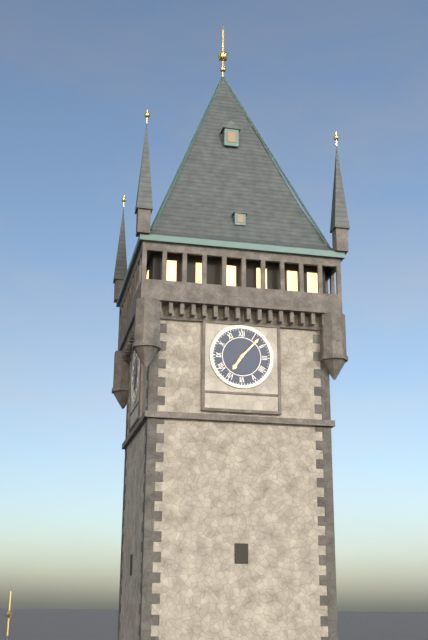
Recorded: 7 h 07 min
